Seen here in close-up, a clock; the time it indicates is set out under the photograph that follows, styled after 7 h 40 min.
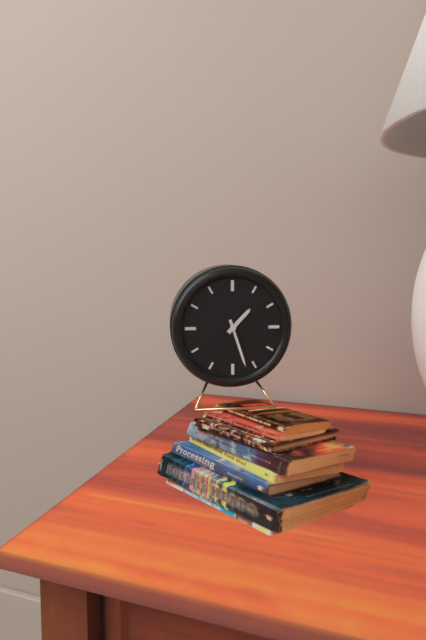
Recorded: 1 h 27 min
